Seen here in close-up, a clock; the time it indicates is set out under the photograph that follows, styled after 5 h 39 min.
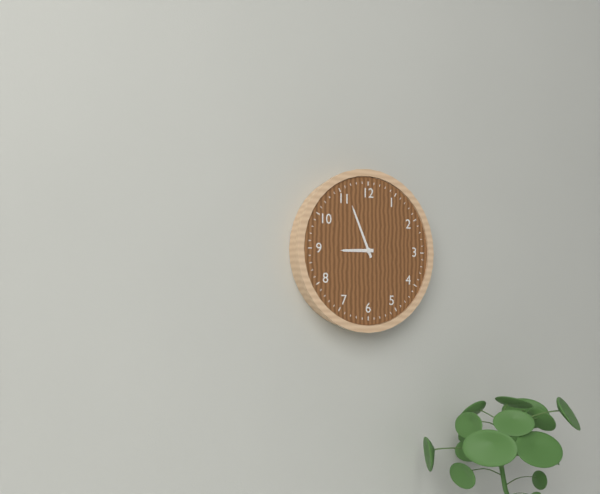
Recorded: 8 h 56 min
